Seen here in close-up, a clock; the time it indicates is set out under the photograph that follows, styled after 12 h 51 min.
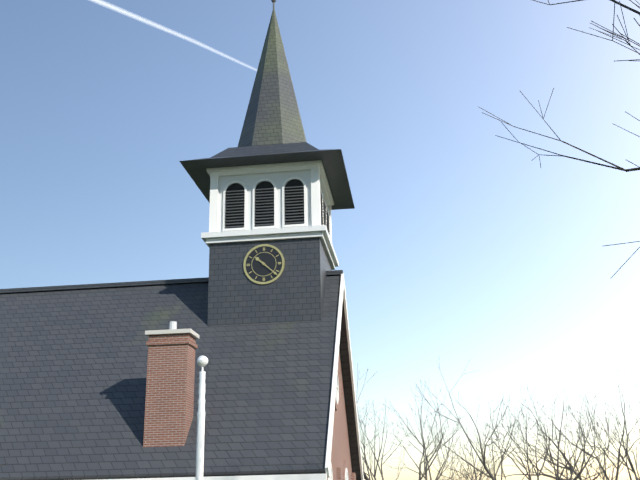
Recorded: 10 h 22 min
